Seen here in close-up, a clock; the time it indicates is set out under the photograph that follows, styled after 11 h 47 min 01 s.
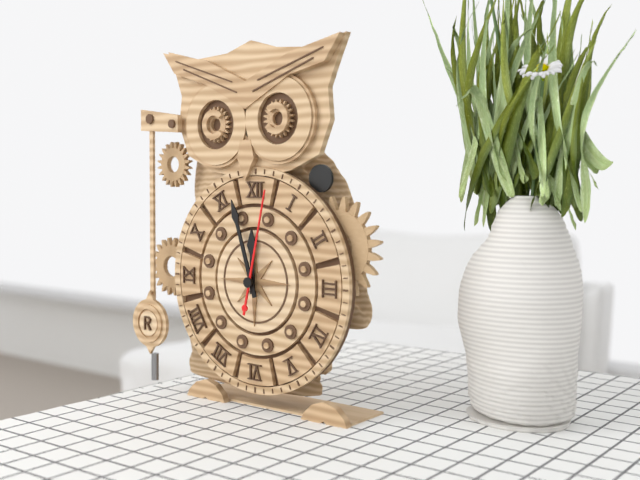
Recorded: 11 h 57 min 02 s
